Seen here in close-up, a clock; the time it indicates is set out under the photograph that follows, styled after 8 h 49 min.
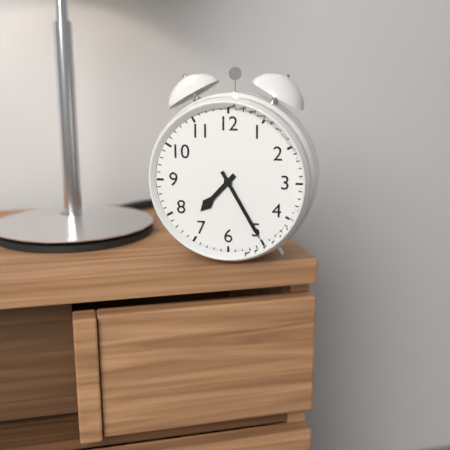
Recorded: 7 h 25 min
